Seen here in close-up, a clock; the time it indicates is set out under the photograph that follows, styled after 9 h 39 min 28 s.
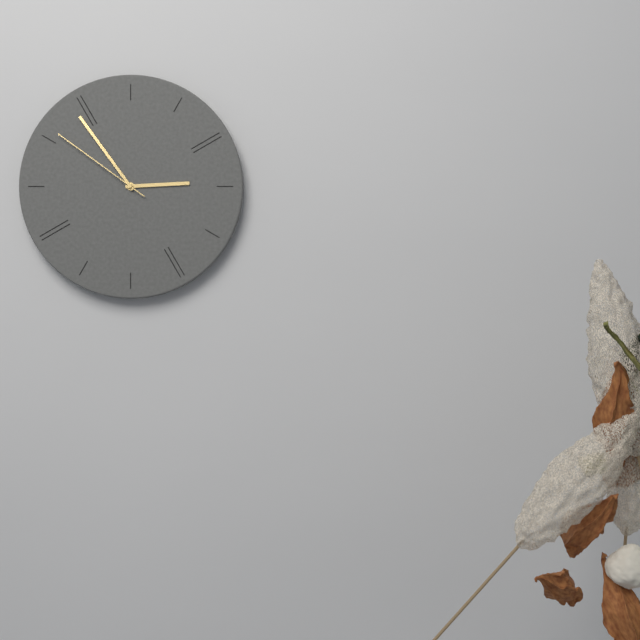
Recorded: 2 h 54 min 51 s
